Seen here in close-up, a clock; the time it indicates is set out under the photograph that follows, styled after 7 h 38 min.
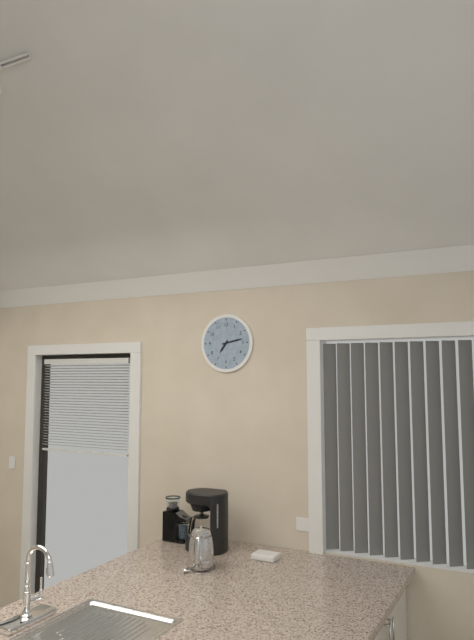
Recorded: 7 h 13 min
